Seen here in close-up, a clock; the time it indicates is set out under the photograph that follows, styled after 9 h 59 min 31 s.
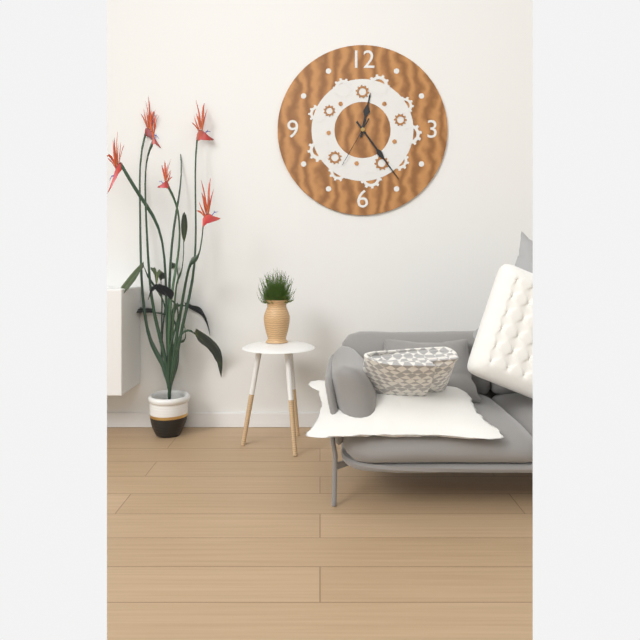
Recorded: 12 h 24 min 35 s
